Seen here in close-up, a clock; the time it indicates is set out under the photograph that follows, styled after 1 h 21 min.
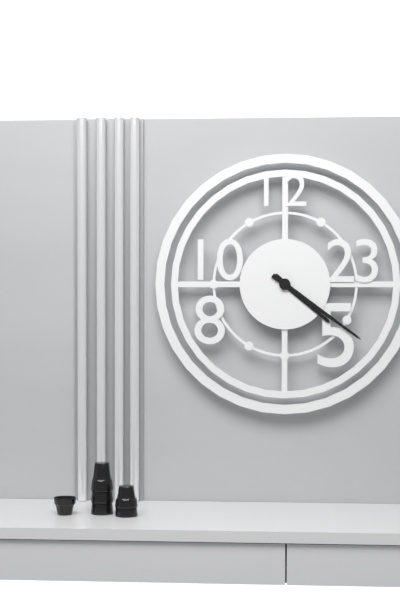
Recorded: 4 h 21 min
